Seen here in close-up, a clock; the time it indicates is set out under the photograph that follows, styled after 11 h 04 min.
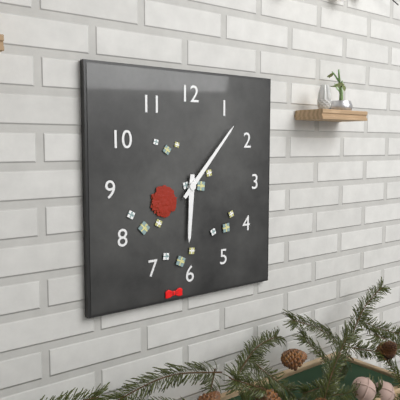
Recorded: 6 h 07 min
